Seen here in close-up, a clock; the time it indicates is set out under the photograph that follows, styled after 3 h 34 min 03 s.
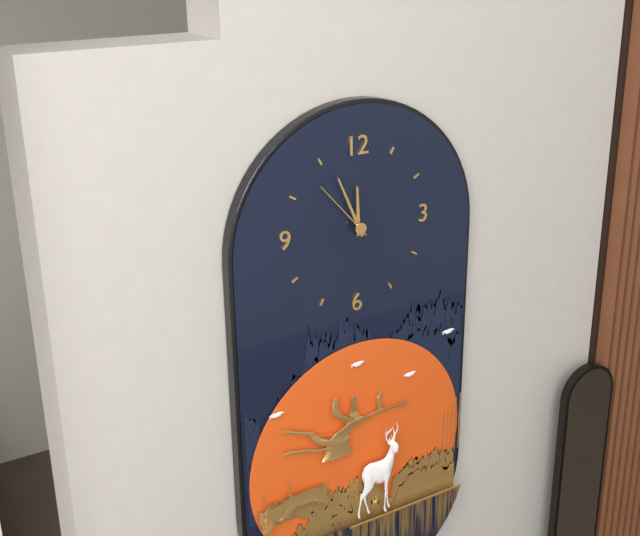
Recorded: 11 h 56 min 53 s
